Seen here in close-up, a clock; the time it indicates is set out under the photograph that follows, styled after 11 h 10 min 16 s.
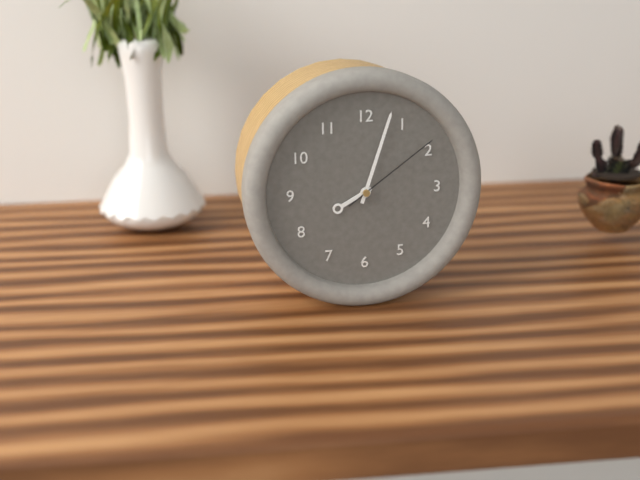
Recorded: 8 h 03 min 09 s
